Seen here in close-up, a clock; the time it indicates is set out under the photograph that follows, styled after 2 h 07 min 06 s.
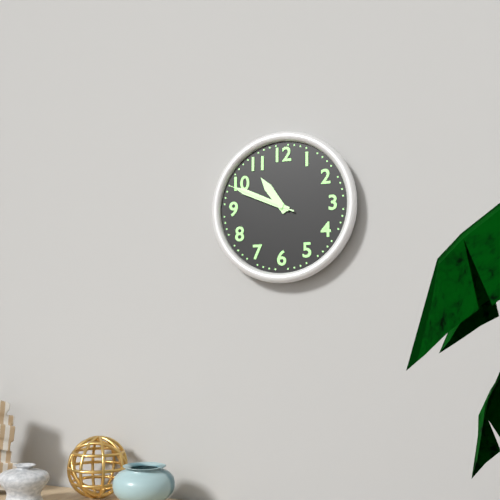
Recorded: 10 h 49 min 49 s
